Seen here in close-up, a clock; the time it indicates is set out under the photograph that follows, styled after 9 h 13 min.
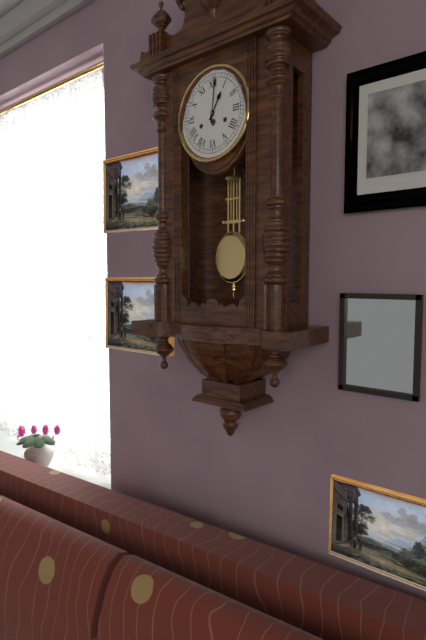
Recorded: 1 h 01 min
